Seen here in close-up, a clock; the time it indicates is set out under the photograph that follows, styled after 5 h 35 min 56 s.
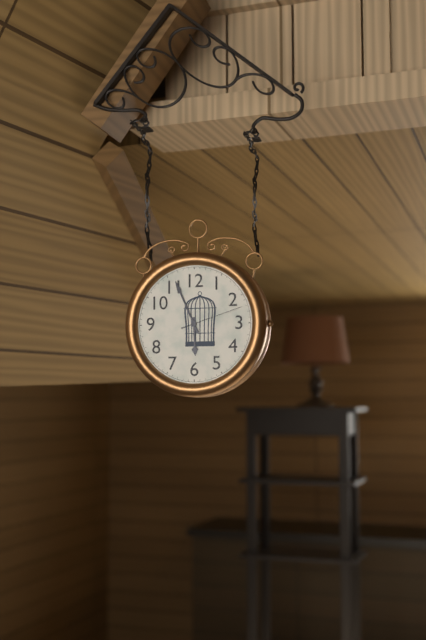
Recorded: 5 h 56 min 12 s
